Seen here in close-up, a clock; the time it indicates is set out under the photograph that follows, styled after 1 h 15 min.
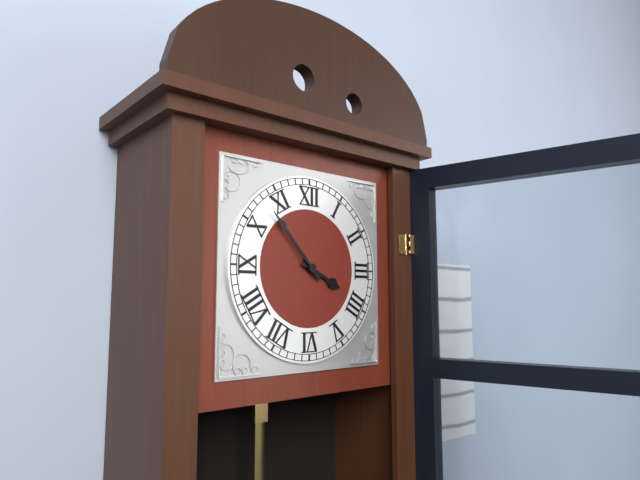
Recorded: 3 h 53 min
